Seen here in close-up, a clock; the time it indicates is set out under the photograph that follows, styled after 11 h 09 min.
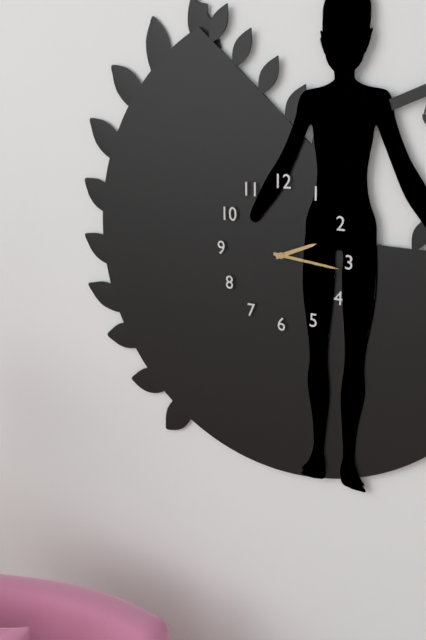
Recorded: 2 h 16 min
